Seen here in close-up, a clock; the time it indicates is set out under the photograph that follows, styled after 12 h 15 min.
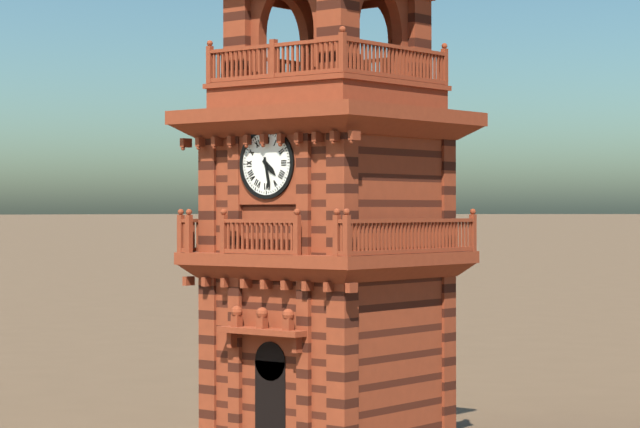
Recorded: 4 h 28 min
